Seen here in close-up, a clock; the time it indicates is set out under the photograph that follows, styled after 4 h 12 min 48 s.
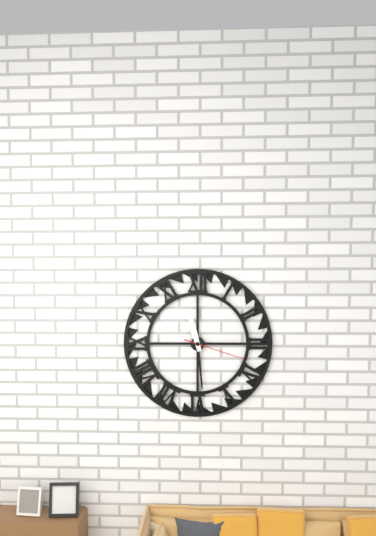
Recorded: 11 h 29 min 18 s
